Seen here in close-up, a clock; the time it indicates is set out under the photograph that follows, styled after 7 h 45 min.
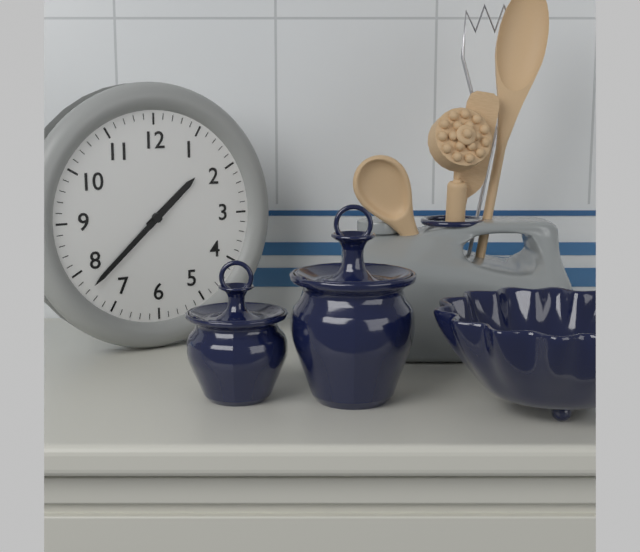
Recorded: 1 h 38 min
